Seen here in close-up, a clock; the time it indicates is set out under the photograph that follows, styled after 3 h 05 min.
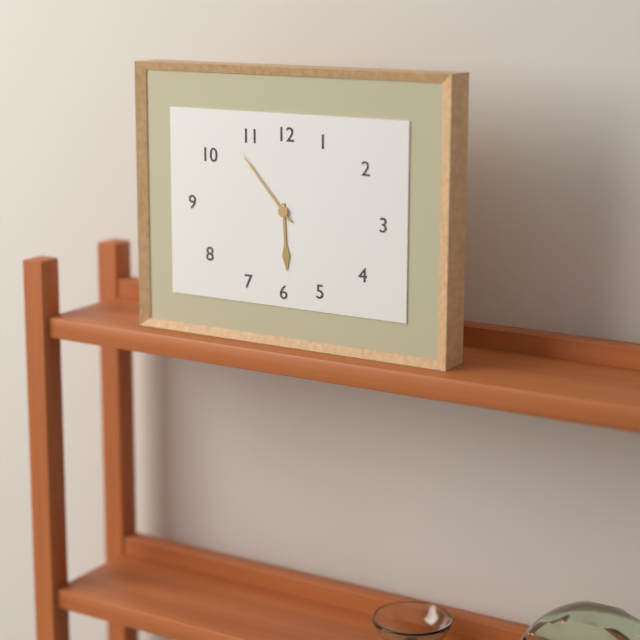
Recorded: 5 h 53 min
